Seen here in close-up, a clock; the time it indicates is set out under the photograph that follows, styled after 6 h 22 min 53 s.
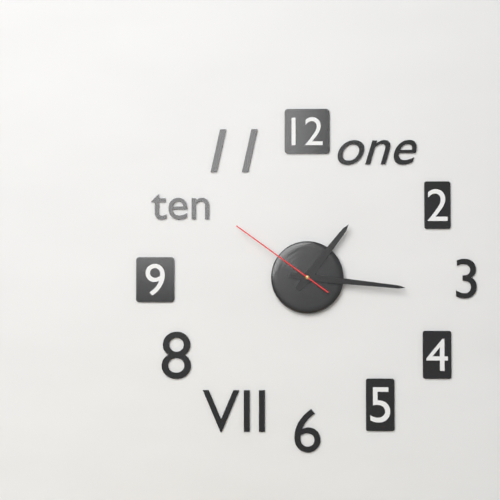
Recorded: 1 h 16 min 51 s
